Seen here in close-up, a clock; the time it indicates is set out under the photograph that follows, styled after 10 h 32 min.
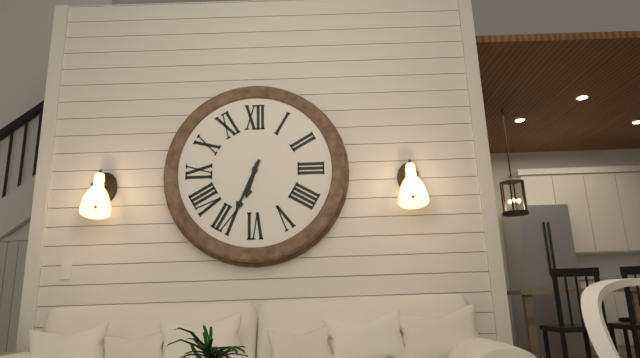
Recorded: 6 h 34 min
